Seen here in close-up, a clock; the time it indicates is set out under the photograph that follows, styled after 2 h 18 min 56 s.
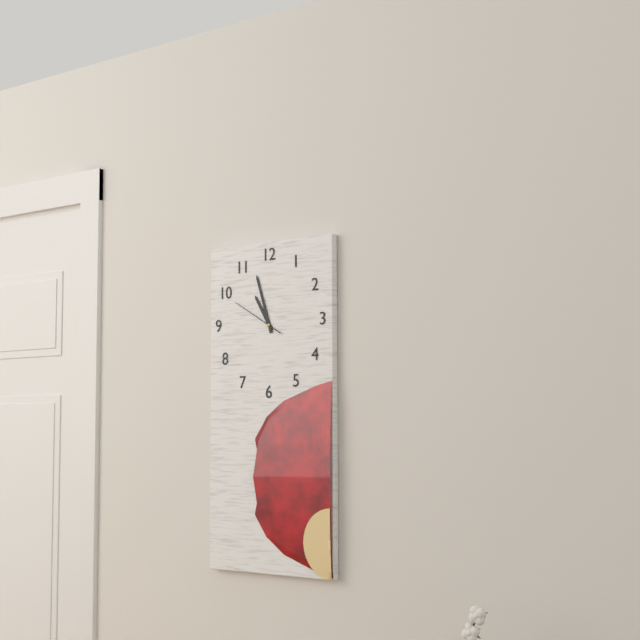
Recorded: 10 h 57 min 50 s
